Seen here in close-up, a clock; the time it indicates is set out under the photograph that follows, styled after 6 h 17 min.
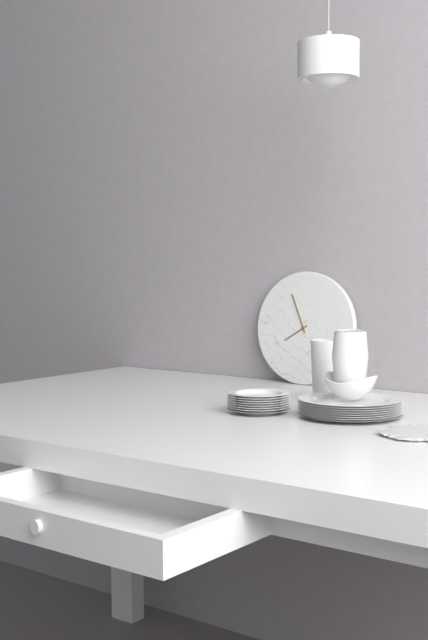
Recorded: 7 h 56 min
